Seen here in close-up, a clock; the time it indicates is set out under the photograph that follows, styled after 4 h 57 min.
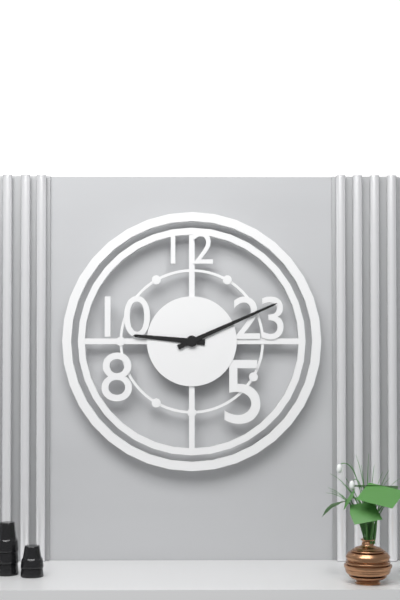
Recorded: 9 h 11 min
